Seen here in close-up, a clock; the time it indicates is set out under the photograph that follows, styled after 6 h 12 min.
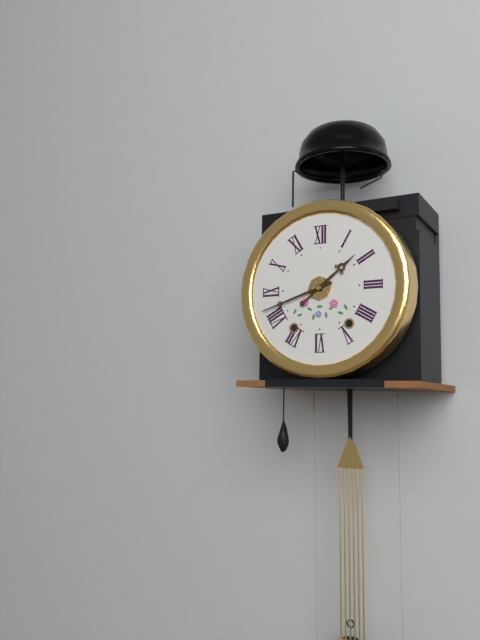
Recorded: 1 h 42 min
